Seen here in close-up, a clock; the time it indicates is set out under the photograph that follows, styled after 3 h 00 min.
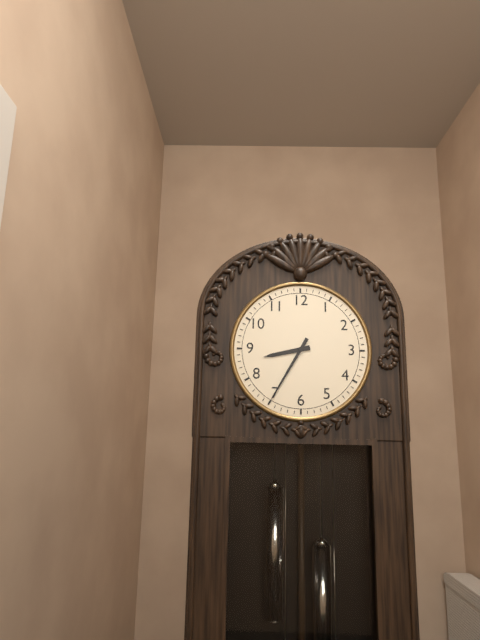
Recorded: 8 h 35 min
